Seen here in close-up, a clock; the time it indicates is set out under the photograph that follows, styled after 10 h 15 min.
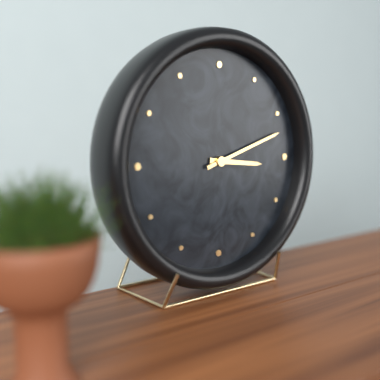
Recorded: 3 h 12 min
